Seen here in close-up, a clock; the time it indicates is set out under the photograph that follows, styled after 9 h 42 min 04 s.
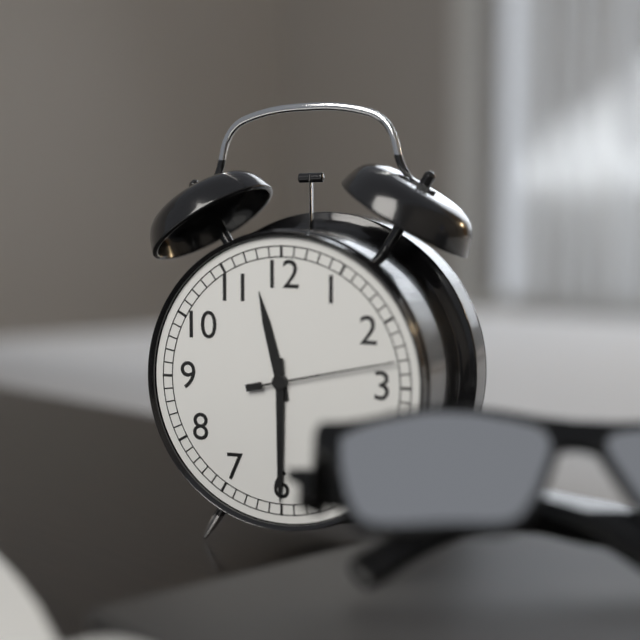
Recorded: 11 h 30 min 13 s
